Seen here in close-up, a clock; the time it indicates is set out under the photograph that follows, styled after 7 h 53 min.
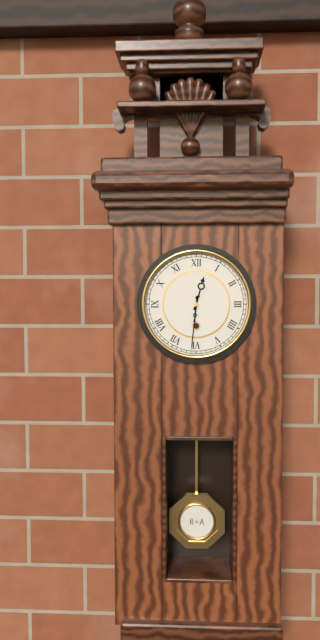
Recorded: 12 h 31 min
